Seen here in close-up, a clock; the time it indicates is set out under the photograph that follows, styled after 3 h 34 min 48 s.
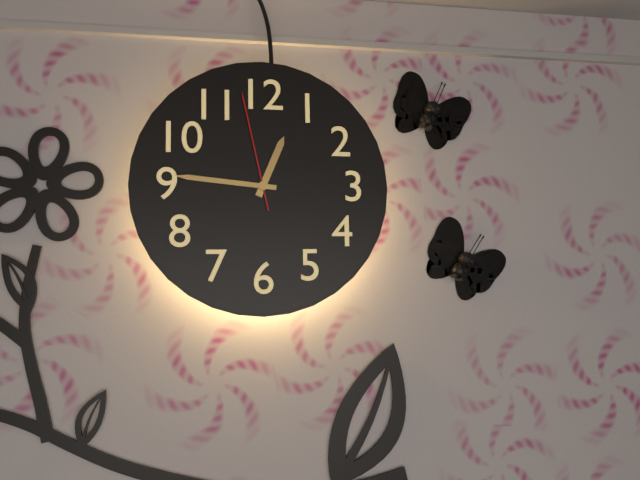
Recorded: 12 h 46 min 58 s
